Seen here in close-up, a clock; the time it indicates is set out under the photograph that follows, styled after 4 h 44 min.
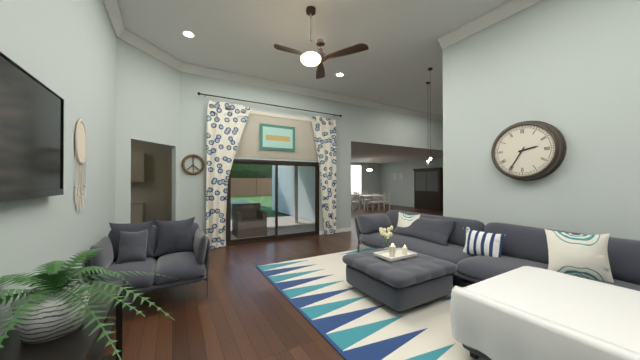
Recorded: 2 h 35 min
